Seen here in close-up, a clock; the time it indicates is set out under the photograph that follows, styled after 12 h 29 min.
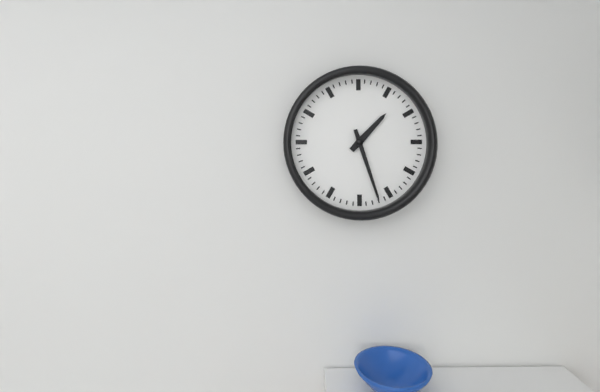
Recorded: 1 h 27 min
